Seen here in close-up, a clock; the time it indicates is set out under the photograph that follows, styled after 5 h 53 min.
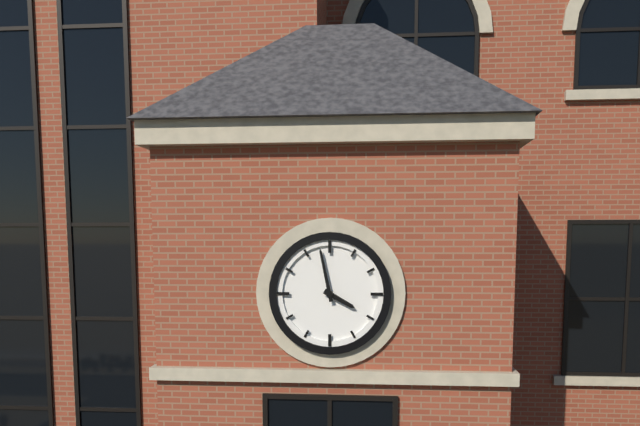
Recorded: 3 h 58 min
